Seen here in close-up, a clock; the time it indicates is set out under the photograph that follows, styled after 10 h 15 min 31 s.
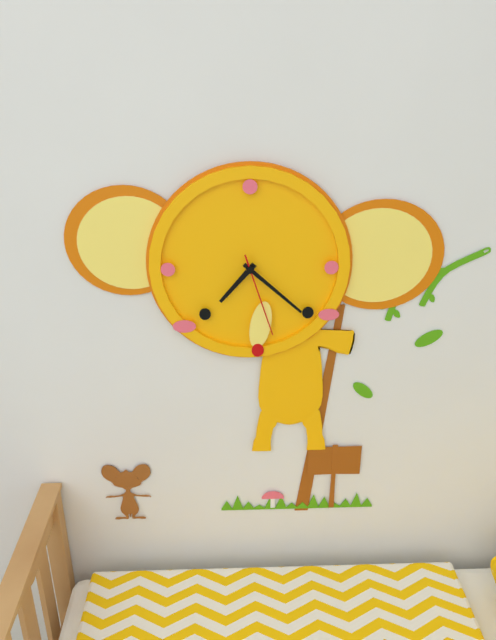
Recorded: 7 h 22 min 27 s
